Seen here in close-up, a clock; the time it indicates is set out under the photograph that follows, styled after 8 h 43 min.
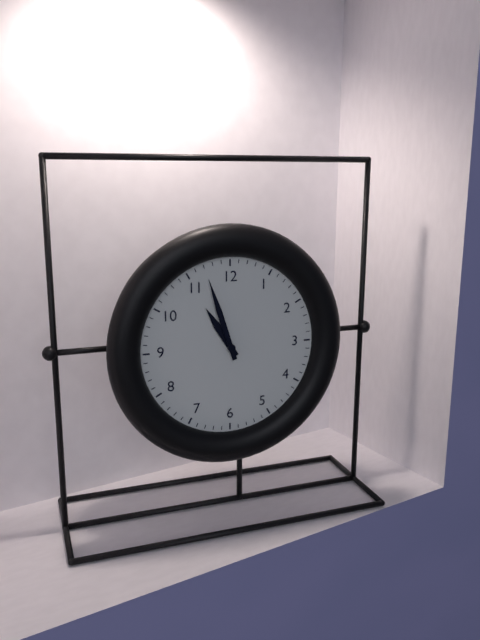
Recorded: 10 h 57 min
